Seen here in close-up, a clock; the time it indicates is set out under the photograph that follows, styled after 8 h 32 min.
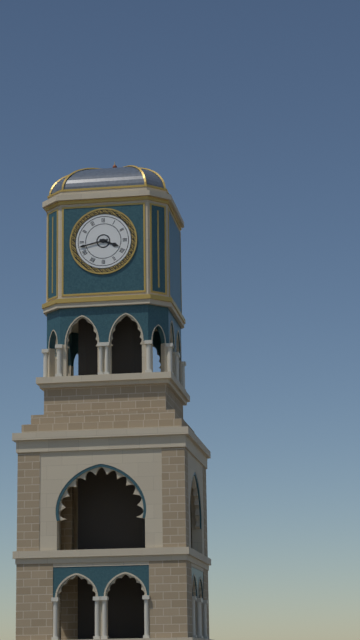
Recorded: 3 h 43 min
